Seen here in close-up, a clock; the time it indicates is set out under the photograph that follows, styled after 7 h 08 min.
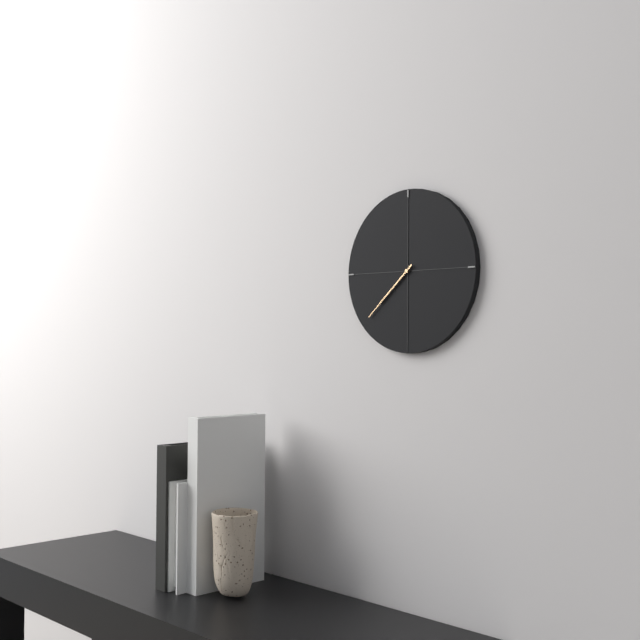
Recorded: 7 h 38 min
